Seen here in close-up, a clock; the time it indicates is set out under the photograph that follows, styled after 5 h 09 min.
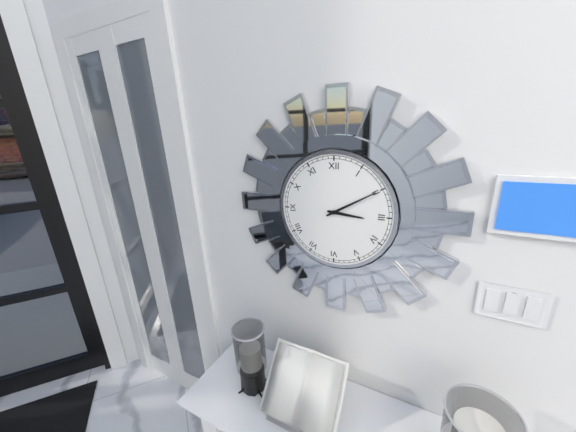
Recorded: 3 h 10 min
